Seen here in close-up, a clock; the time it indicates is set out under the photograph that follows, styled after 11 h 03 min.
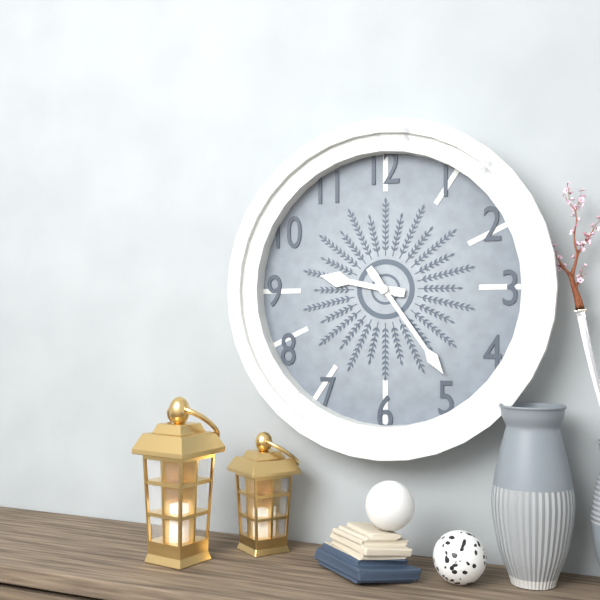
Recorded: 9 h 24 min
